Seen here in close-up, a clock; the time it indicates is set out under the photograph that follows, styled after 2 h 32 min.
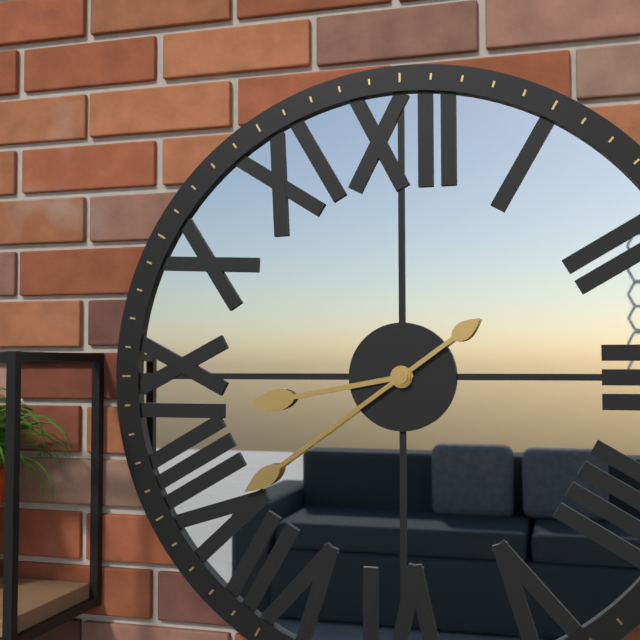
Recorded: 8 h 39 min
